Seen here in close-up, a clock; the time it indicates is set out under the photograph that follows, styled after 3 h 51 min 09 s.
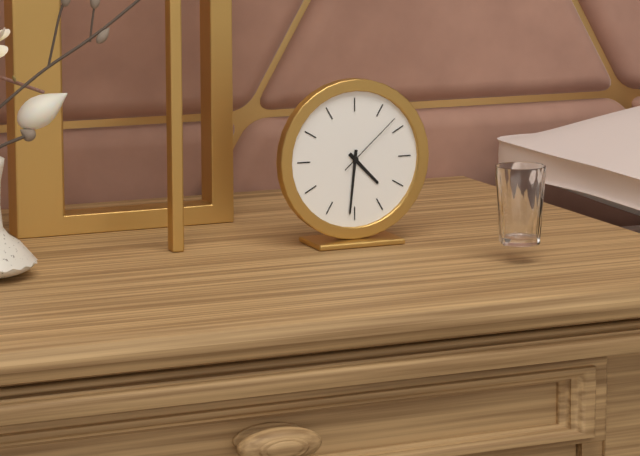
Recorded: 4 h 31 min 08 s
